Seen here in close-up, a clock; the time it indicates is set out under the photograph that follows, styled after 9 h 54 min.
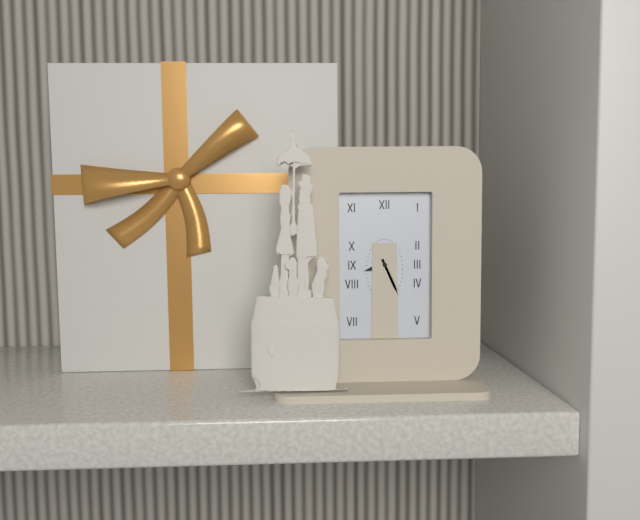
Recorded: 8 h 26 min
